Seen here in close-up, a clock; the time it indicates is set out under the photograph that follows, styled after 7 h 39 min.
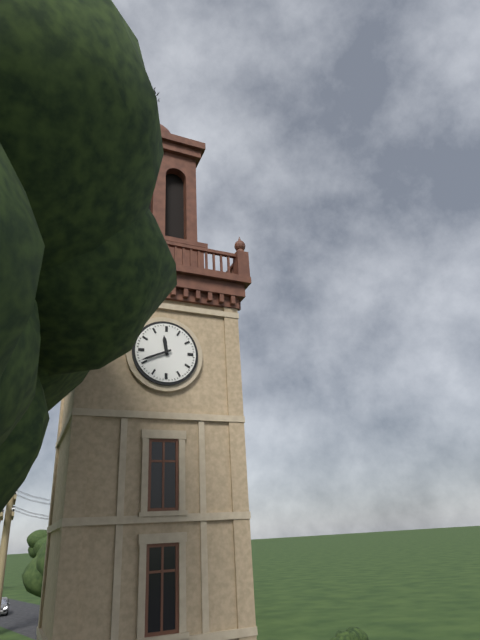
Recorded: 11 h 41 min
